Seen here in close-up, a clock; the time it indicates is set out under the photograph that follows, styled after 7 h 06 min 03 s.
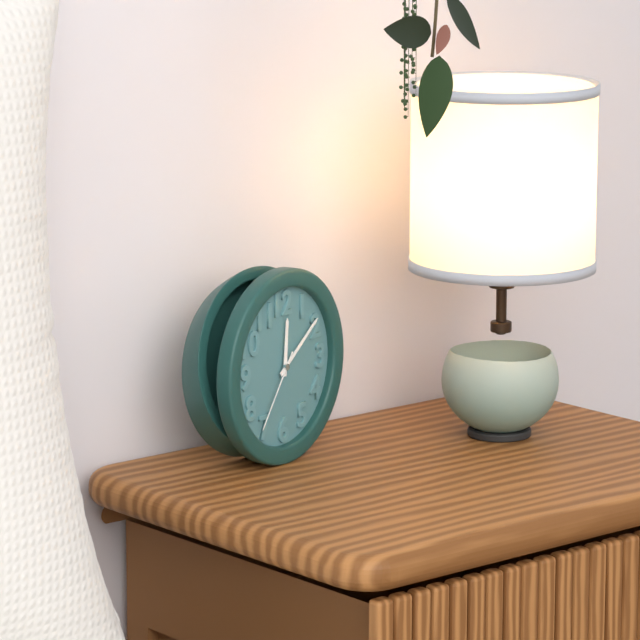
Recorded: 12 h 09 min 36 s
